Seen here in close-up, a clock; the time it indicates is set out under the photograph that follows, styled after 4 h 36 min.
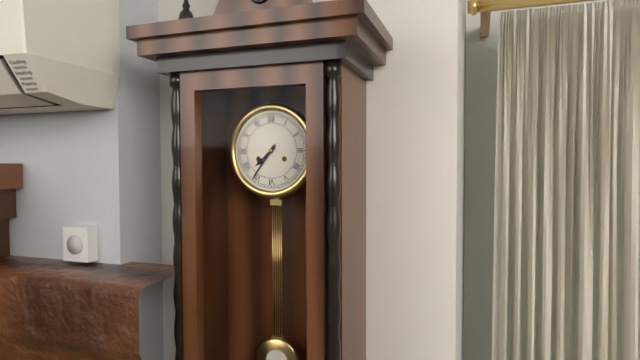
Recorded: 7 h 36 min
